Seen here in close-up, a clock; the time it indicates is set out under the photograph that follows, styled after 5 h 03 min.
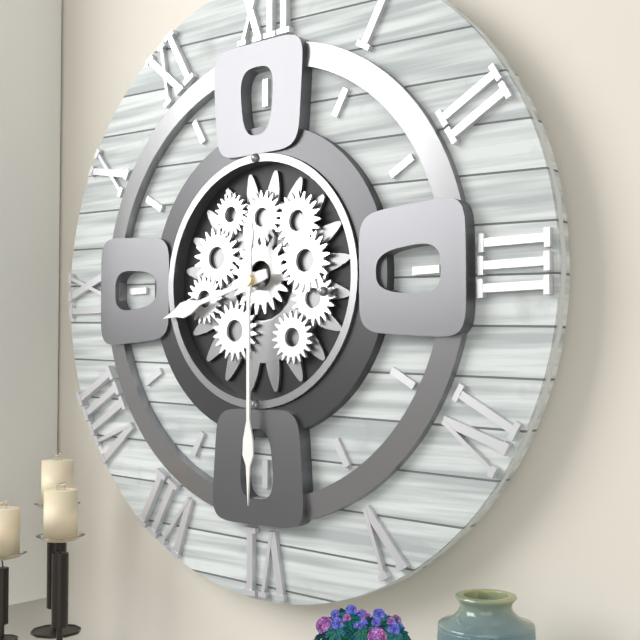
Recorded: 8 h 30 min
